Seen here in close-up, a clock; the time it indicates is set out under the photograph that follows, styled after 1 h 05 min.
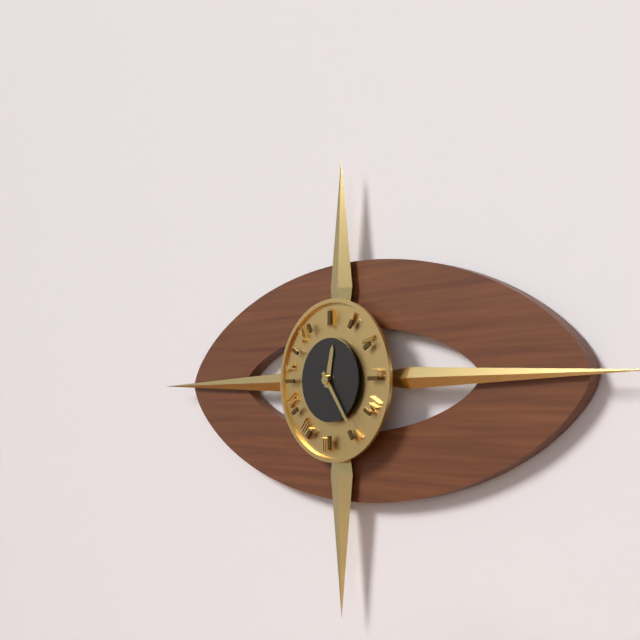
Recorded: 12 h 24 min
